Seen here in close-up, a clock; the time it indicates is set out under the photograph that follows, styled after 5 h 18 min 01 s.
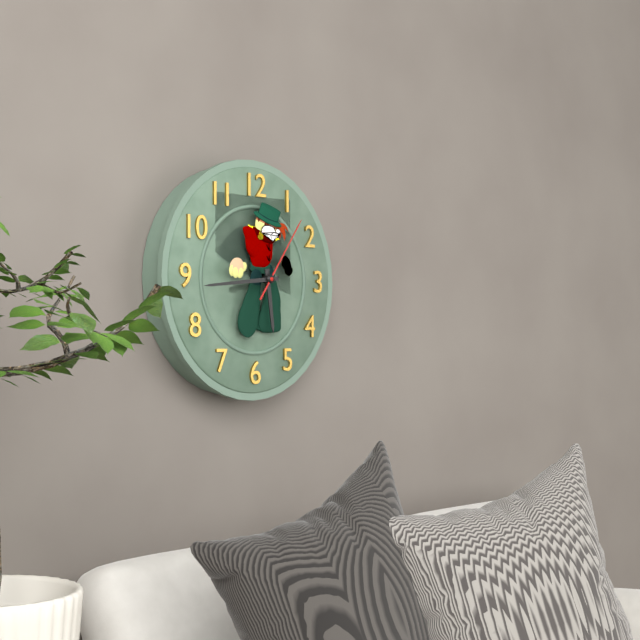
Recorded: 5 h 44 min 06 s
